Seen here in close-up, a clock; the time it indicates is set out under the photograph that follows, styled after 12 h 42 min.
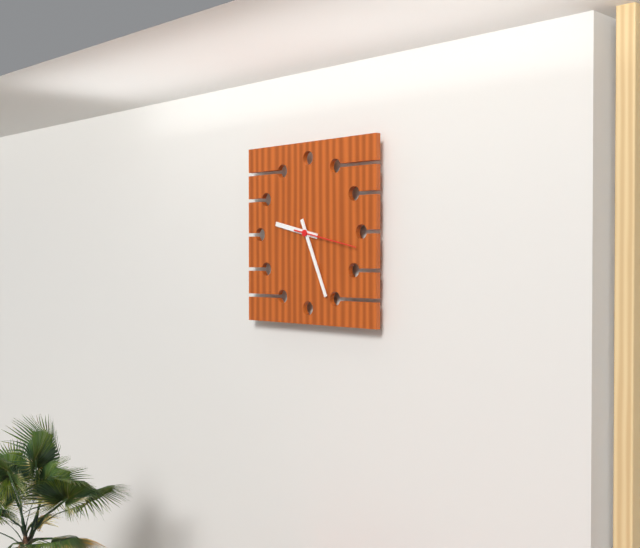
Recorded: 9 h 26 min
